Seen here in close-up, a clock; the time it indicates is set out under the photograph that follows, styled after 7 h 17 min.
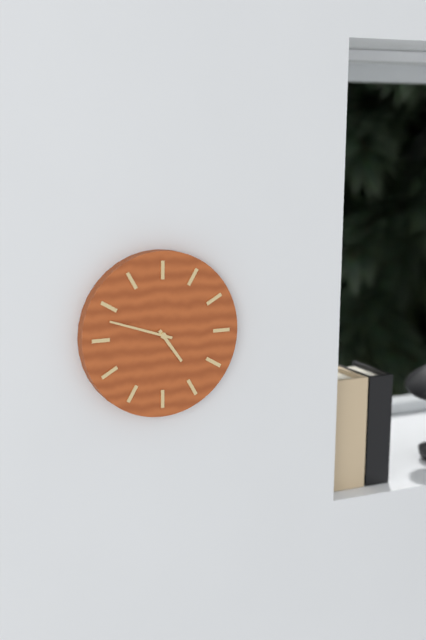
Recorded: 4 h 48 min
